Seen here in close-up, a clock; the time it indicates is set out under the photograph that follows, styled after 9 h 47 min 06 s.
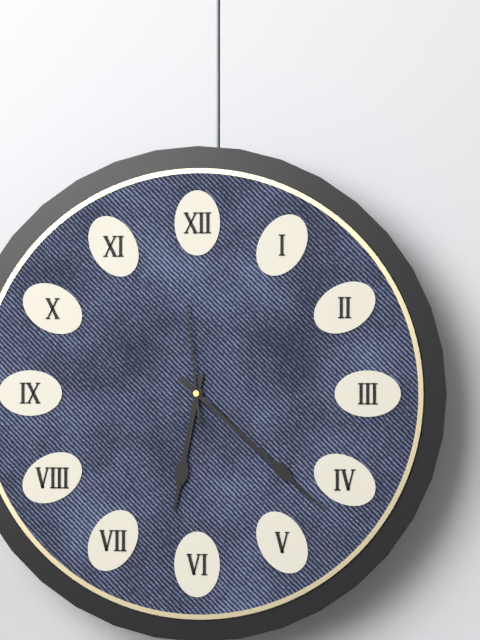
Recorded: 6 h 22 min 59 s
